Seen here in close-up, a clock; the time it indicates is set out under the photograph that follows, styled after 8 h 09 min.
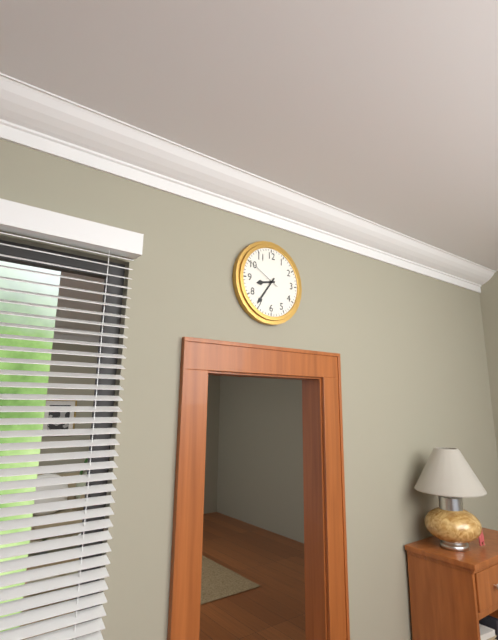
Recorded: 8 h 36 min
